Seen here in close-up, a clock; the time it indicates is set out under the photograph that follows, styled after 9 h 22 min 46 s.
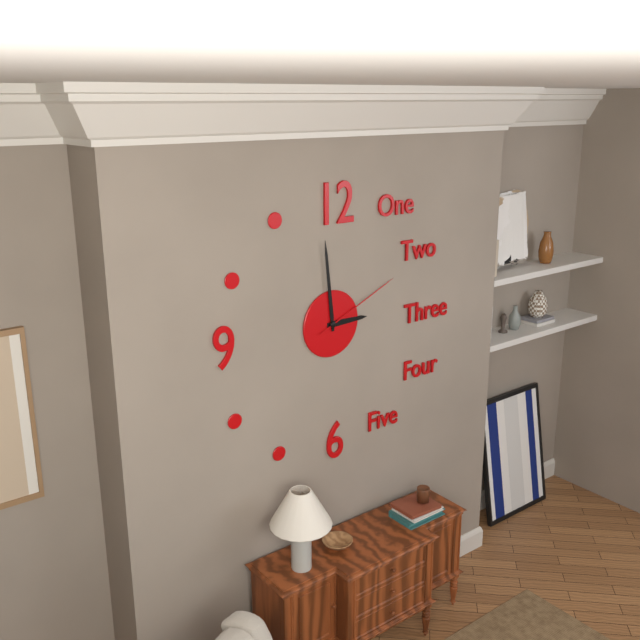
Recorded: 2 h 59 min 11 s
